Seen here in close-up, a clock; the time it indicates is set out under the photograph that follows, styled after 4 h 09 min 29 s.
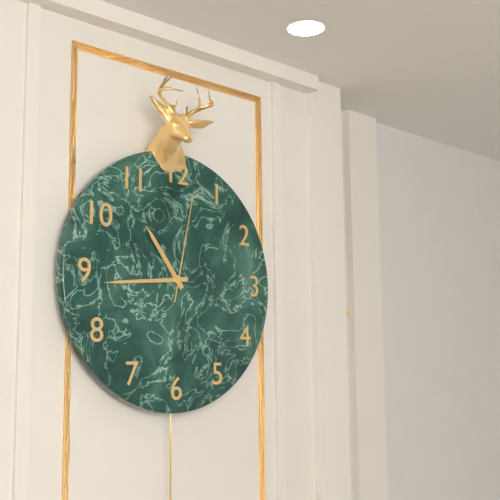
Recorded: 10 h 44 min 02 s
